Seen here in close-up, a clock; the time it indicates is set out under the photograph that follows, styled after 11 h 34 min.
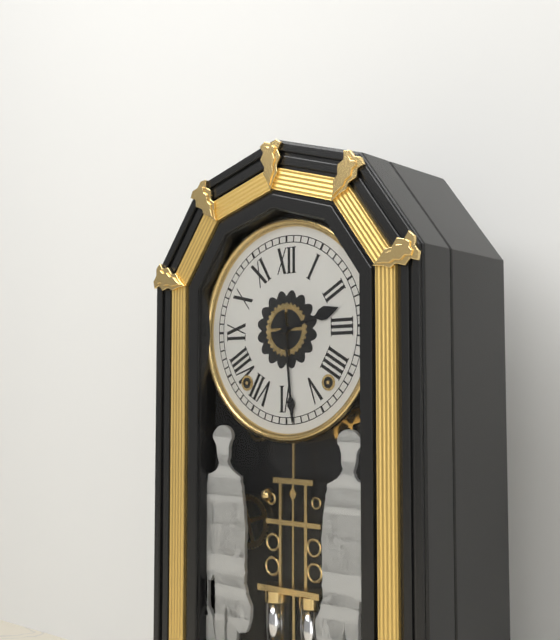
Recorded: 2 h 29 min
